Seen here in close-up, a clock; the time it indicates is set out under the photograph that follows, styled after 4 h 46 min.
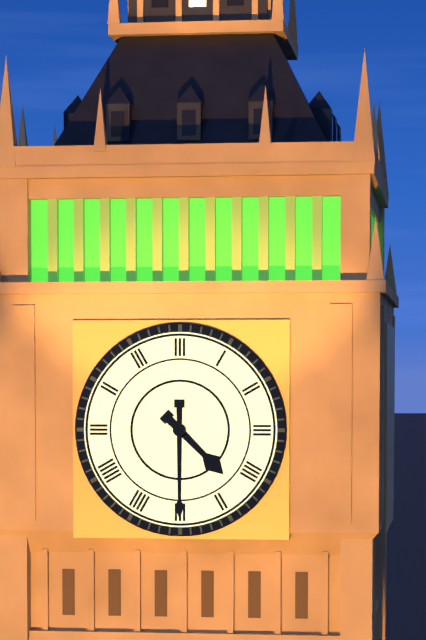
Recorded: 4 h 30 min
